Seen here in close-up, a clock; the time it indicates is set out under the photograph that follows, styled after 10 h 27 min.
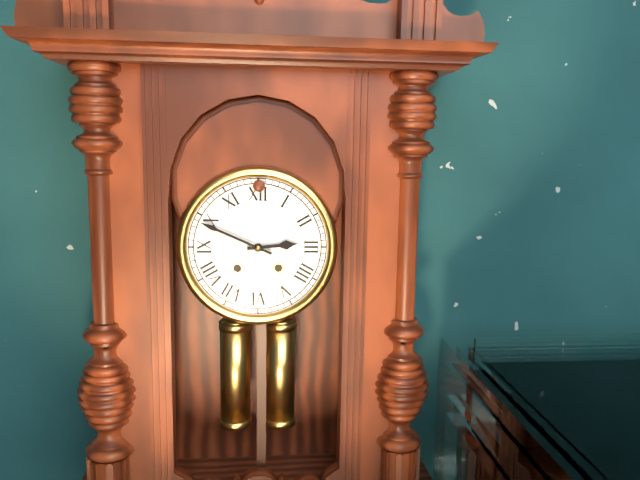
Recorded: 2 h 49 min
